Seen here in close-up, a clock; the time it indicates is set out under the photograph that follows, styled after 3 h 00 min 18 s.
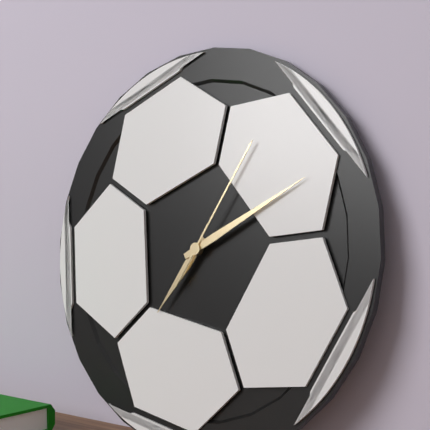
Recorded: 7 h 10 min 05 s
